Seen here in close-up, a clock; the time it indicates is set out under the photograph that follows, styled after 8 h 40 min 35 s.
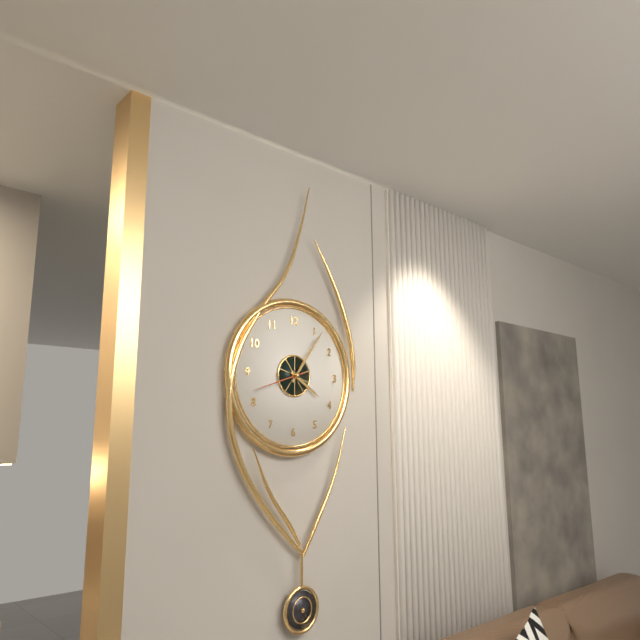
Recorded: 4 h 06 min 42 s
